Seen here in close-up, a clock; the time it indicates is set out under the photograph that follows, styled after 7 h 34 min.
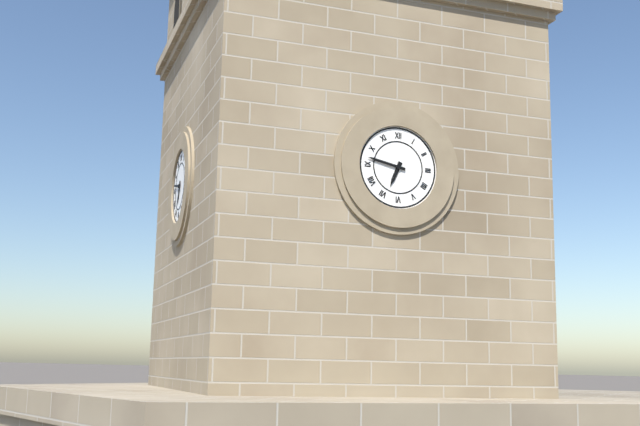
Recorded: 6 h 47 min
